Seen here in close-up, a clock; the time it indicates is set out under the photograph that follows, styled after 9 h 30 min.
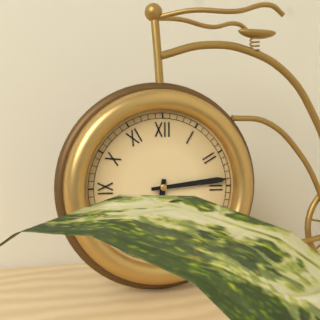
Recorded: 6 h 14 min
